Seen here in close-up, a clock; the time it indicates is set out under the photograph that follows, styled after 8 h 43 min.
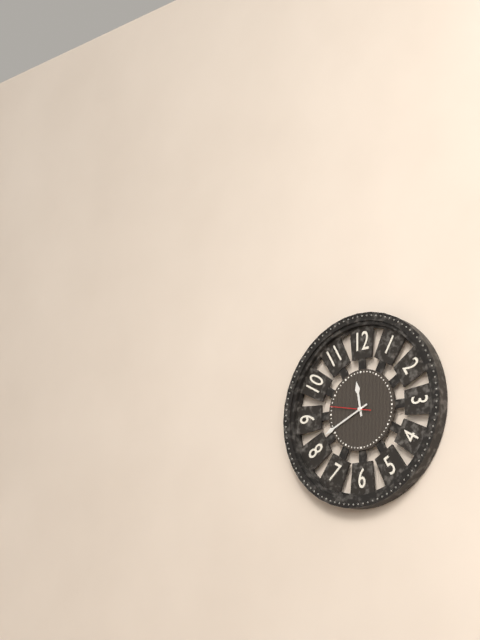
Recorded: 11 h 41 min
